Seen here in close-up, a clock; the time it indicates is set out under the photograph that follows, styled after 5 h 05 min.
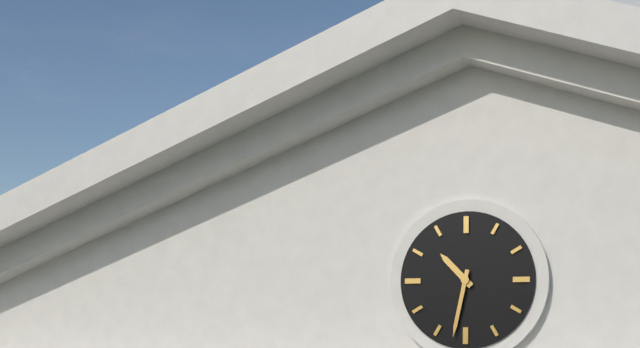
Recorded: 10 h 32 min
